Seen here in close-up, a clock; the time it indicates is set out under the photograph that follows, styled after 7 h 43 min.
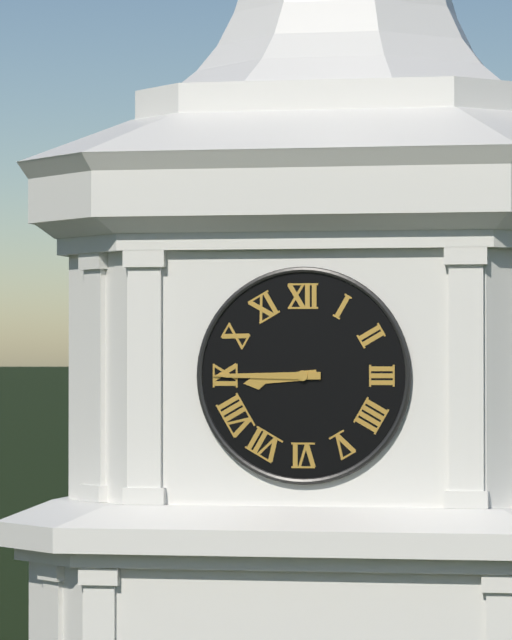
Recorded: 8 h 45 min
